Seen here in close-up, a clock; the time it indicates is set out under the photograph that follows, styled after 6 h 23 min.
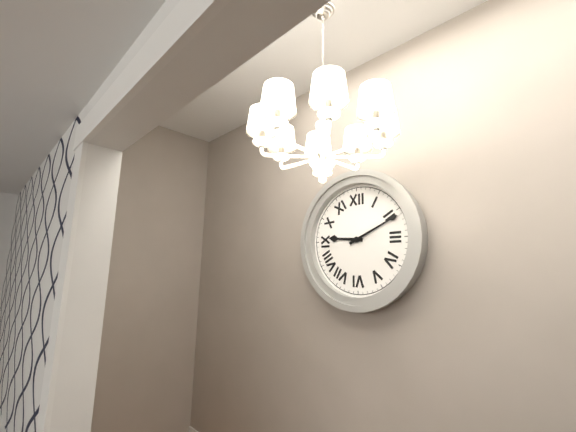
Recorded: 9 h 11 min
